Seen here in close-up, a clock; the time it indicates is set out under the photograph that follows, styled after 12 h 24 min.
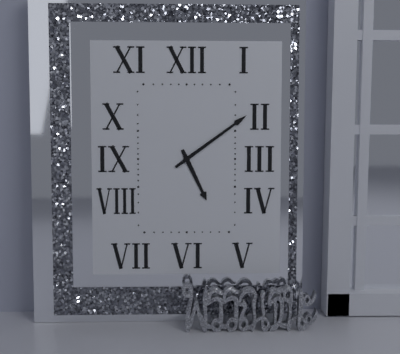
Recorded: 5 h 09 min
